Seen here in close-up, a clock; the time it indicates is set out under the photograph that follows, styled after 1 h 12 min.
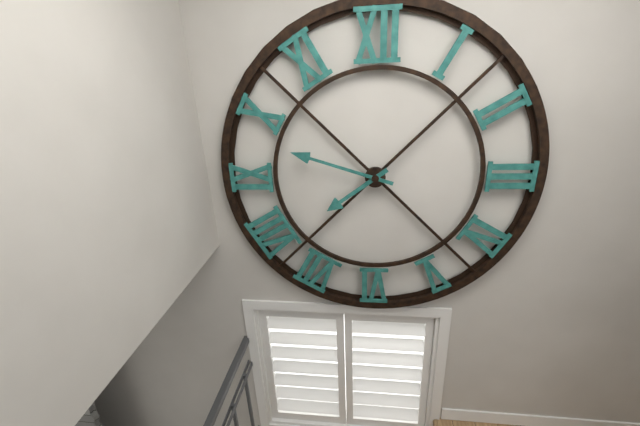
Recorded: 7 h 48 min
